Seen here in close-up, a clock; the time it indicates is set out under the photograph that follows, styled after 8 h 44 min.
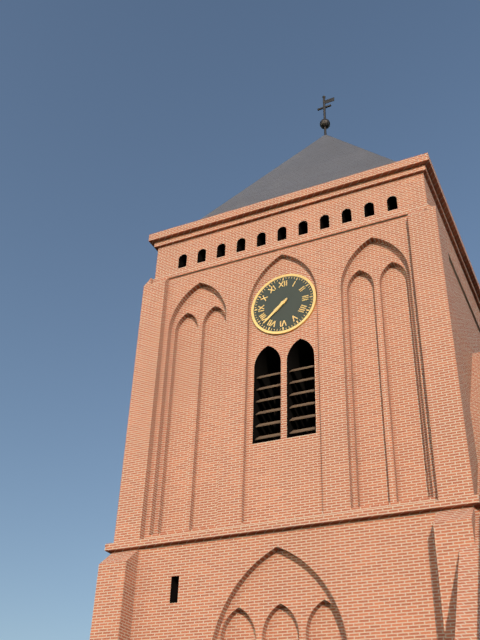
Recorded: 7 h 38 min
